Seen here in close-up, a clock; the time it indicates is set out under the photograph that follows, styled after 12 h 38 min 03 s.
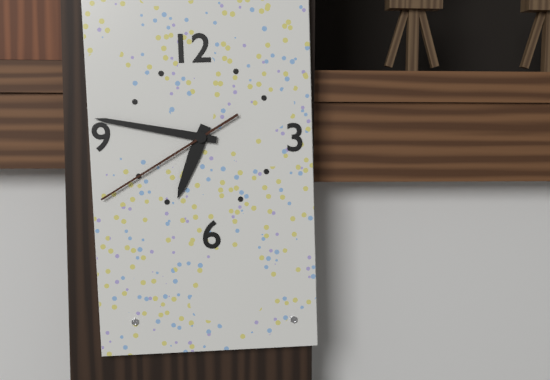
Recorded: 6 h 47 min 40 s
